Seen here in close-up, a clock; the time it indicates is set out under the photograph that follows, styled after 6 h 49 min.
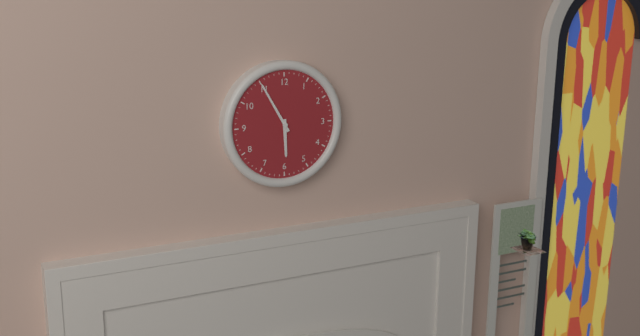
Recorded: 5 h 55 min
